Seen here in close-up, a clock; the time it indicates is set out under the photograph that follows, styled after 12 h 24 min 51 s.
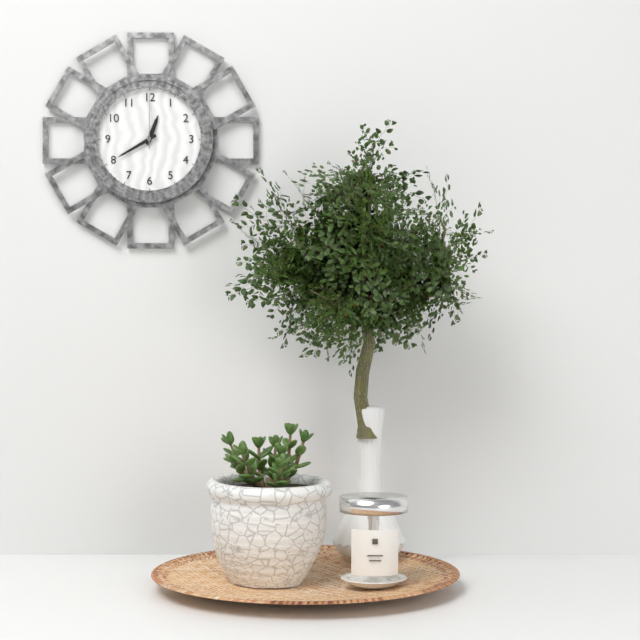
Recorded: 12 h 40 min 00 s
